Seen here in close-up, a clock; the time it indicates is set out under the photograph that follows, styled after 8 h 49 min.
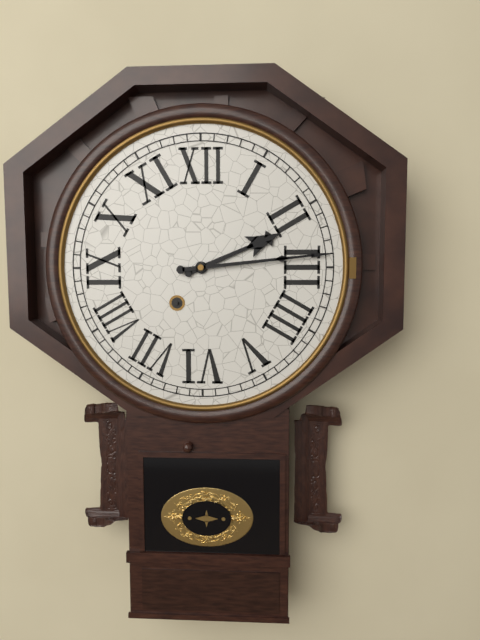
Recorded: 2 h 14 min
